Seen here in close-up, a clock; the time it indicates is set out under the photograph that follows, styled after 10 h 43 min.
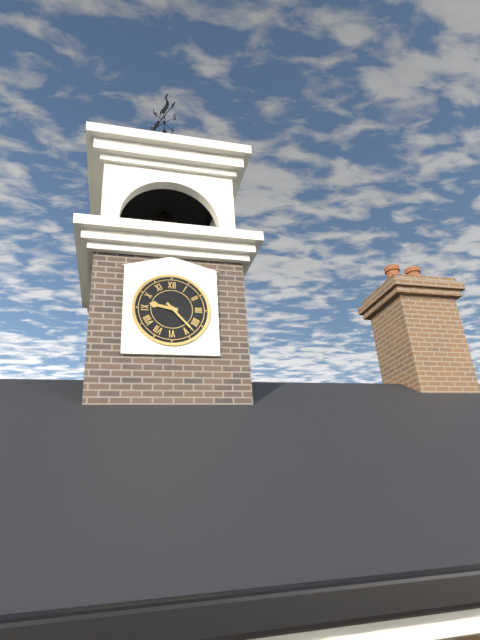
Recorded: 9 h 23 min
